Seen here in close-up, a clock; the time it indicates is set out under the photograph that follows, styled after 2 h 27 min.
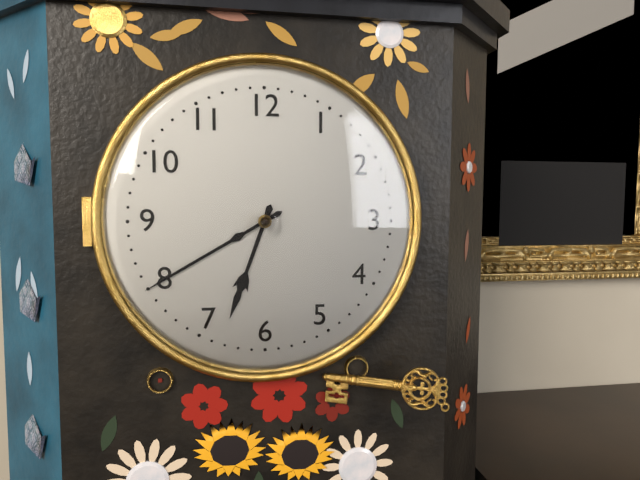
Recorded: 6 h 40 min
